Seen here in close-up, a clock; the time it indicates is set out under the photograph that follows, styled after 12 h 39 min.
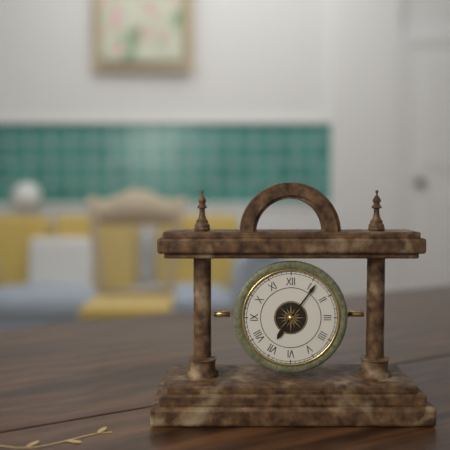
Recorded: 7 h 06 min
